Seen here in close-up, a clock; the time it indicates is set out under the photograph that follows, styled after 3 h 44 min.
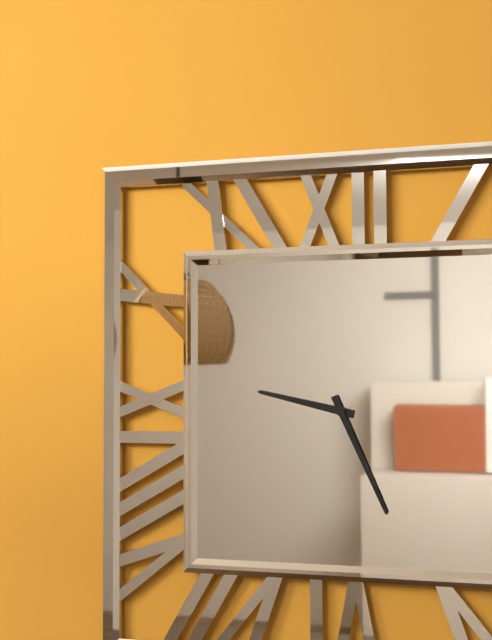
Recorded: 9 h 26 min
